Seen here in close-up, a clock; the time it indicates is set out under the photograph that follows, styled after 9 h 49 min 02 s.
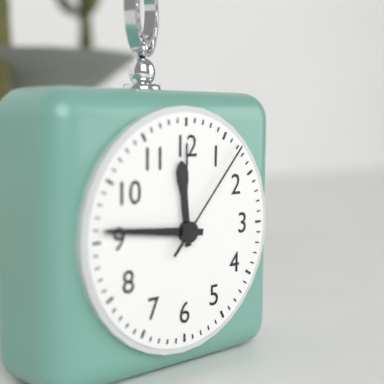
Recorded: 11 h 46 min 07 s
